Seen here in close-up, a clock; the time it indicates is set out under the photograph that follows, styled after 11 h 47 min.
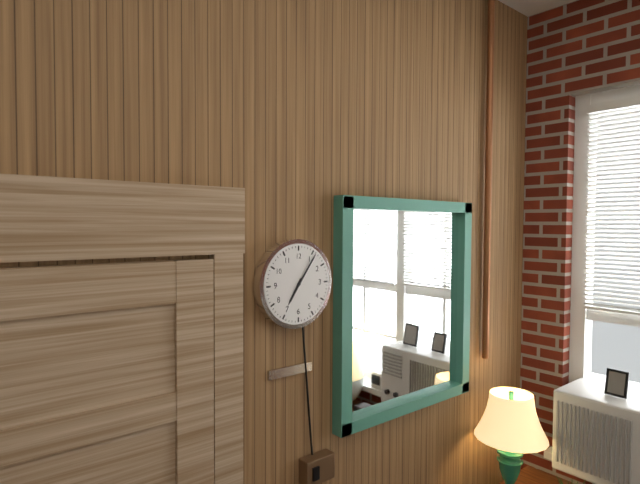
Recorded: 7 h 06 min
